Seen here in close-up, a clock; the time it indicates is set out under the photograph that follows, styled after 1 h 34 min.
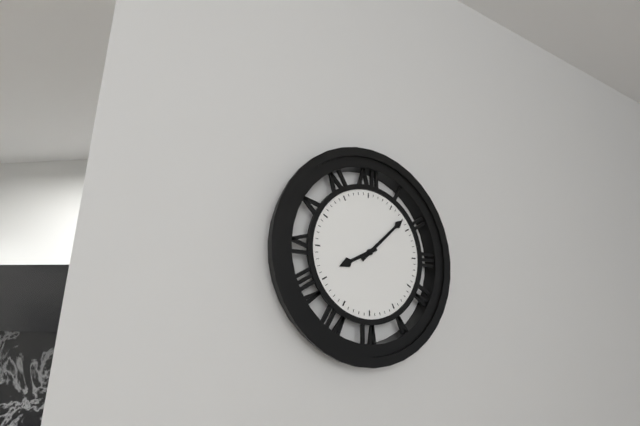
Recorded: 8 h 08 min
